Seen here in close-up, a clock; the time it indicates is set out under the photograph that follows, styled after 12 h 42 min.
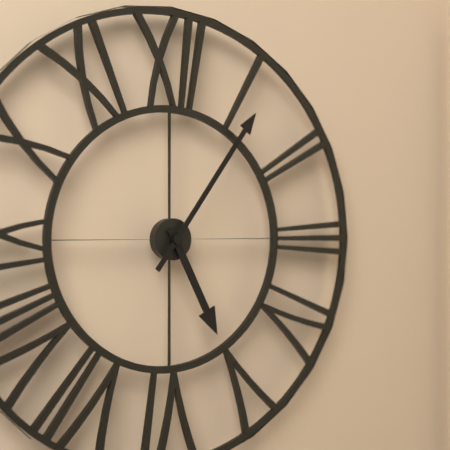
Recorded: 5 h 06 min
